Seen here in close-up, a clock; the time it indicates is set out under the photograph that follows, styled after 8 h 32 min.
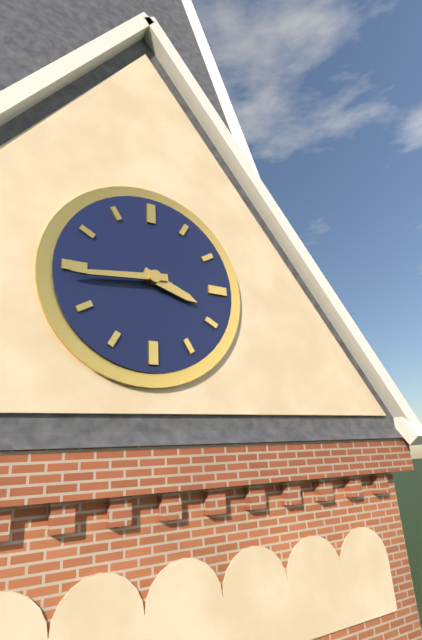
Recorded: 3 h 44 min
